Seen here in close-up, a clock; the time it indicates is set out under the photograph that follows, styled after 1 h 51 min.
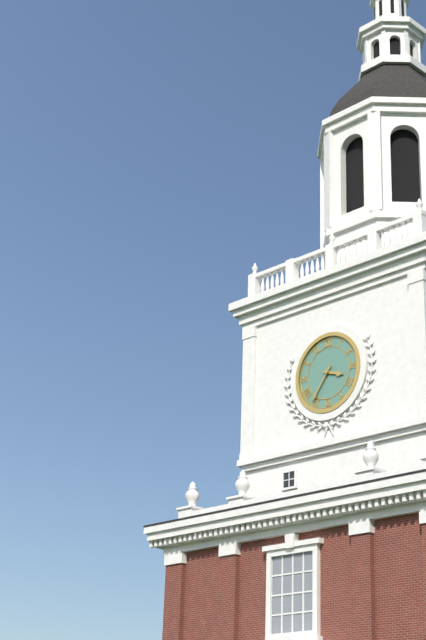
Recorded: 3 h 36 min
